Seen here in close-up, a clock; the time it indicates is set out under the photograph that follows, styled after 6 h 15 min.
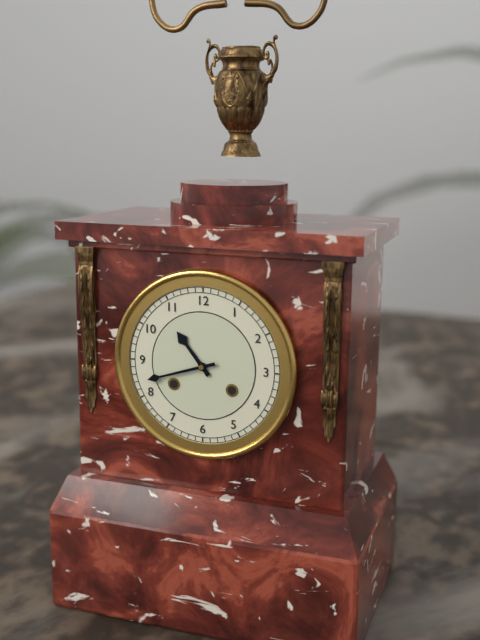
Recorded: 10 h 42 min
